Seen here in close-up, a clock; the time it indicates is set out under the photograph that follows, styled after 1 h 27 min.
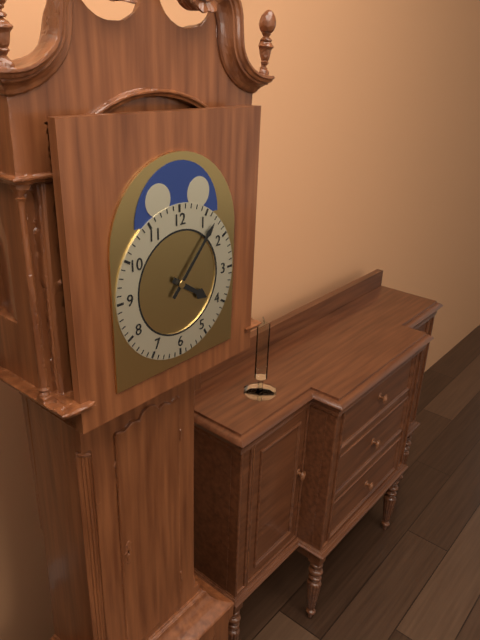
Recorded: 4 h 07 min
